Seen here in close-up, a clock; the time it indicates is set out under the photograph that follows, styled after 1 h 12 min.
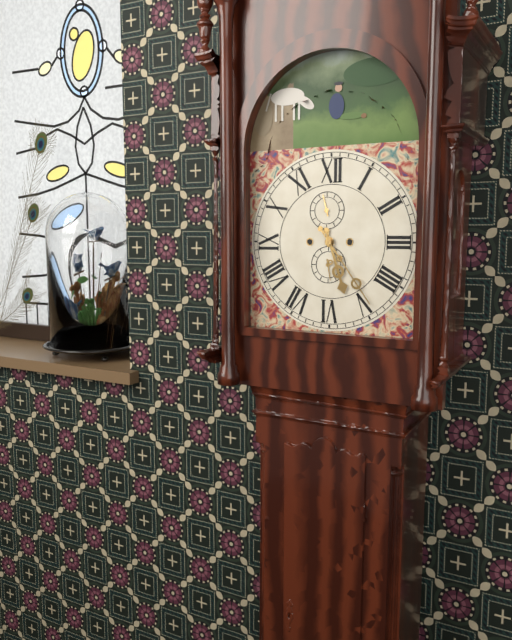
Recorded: 5 h 24 min
